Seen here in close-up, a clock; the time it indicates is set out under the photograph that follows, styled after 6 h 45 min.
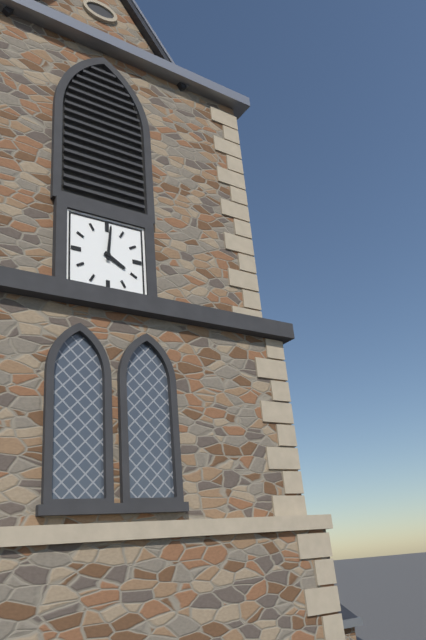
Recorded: 4 h 01 min
